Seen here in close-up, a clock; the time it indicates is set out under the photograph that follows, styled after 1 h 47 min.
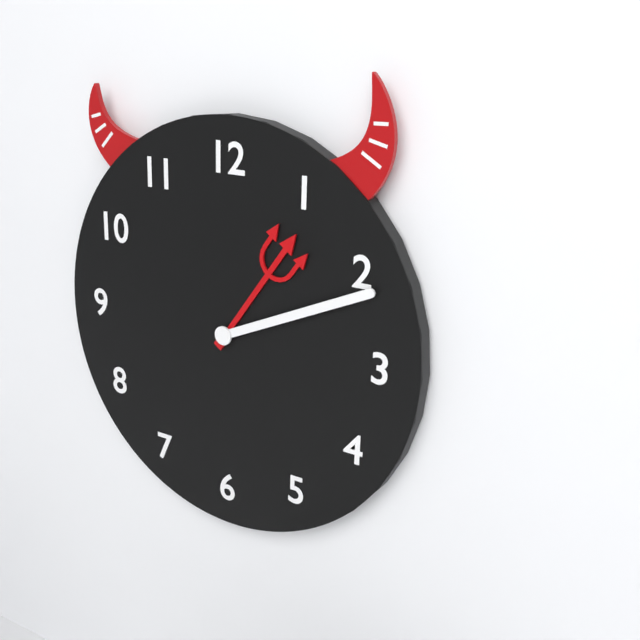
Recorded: 1 h 11 min
